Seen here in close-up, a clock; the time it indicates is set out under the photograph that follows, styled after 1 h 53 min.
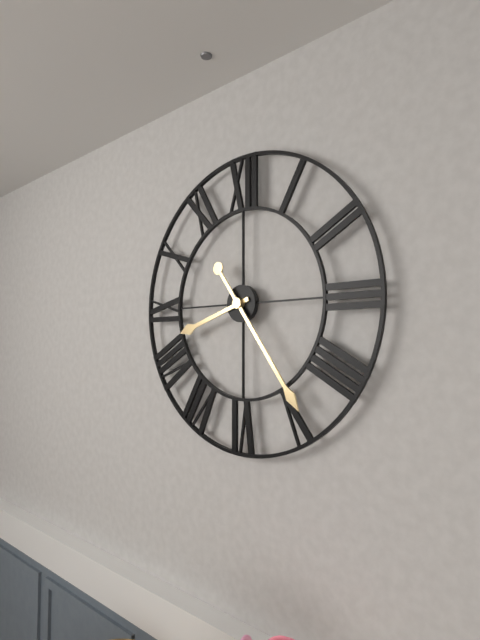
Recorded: 8 h 24 min
